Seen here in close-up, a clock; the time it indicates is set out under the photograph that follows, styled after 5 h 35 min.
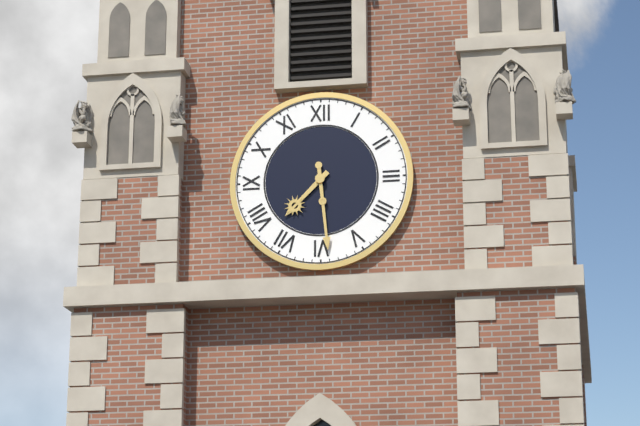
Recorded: 7 h 29 min
